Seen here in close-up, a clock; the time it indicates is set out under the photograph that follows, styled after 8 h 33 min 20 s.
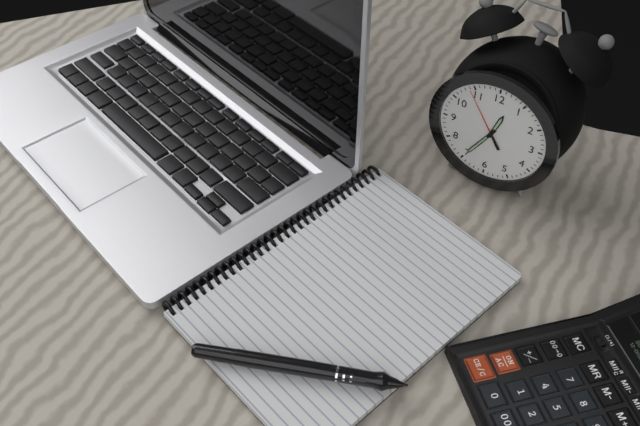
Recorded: 12 h 35 min 54 s
